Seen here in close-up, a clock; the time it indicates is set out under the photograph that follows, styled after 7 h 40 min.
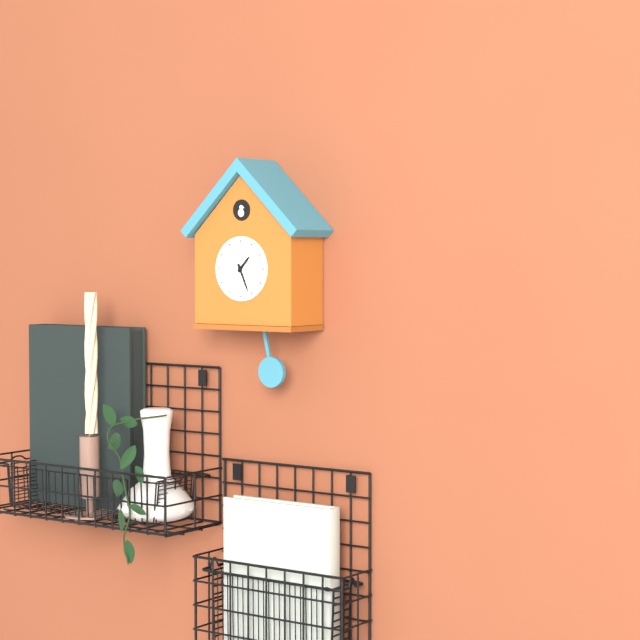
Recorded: 1 h 26 min
